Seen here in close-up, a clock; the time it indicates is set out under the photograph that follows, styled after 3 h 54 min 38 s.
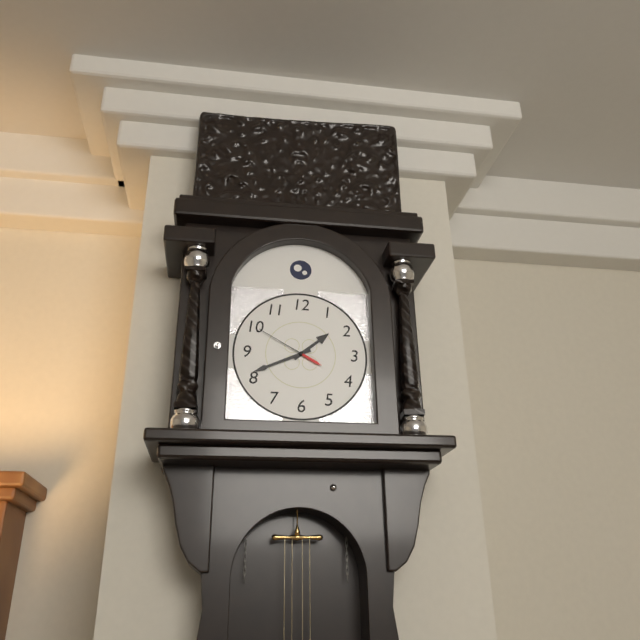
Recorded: 1 h 41 min 50 s
